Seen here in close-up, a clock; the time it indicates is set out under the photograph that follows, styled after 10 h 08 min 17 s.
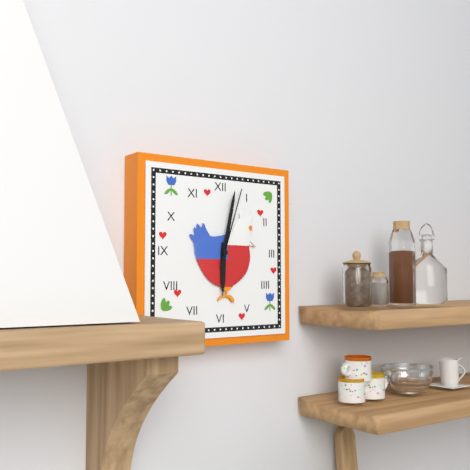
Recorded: 6 h 02 min 03 s
